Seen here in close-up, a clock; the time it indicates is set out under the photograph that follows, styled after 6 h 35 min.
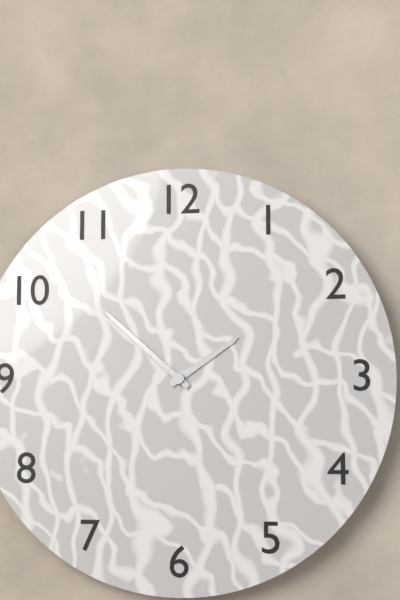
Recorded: 1 h 52 min
